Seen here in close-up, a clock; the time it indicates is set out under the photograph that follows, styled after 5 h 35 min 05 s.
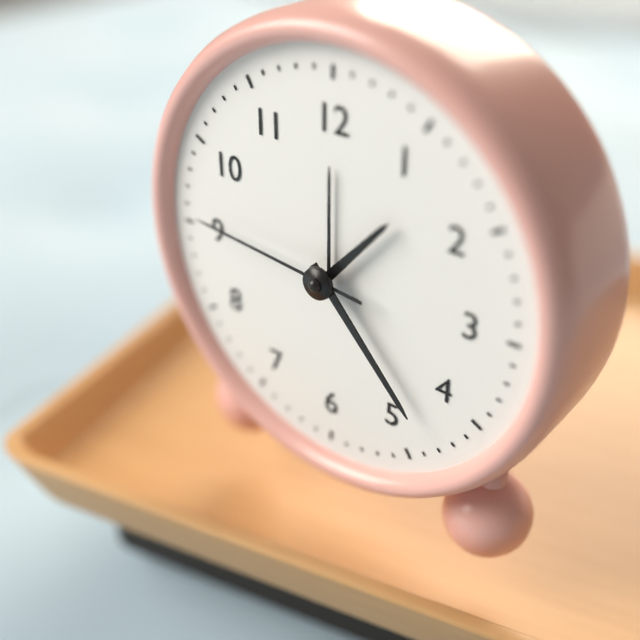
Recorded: 1 h 23 min 46 s
